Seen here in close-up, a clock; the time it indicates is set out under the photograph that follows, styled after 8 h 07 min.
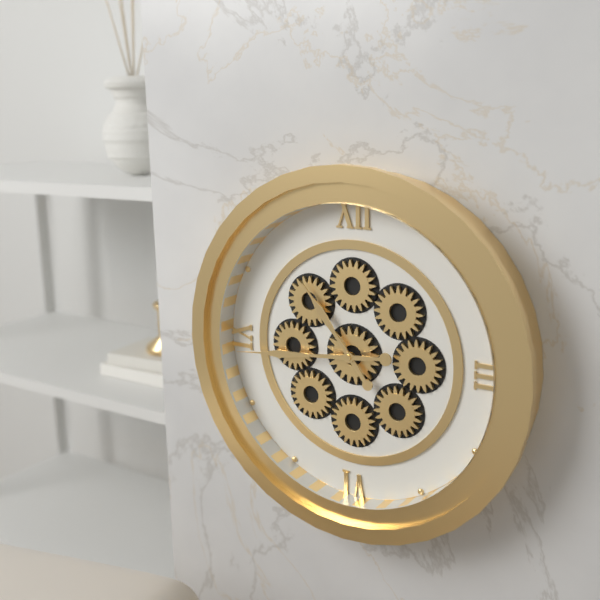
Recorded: 10 h 44 min
